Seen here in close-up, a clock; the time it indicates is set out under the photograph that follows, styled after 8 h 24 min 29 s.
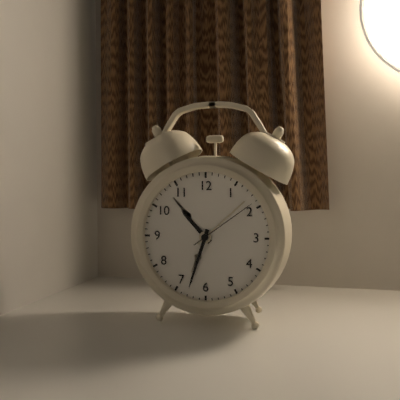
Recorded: 10 h 33 min 09 s
